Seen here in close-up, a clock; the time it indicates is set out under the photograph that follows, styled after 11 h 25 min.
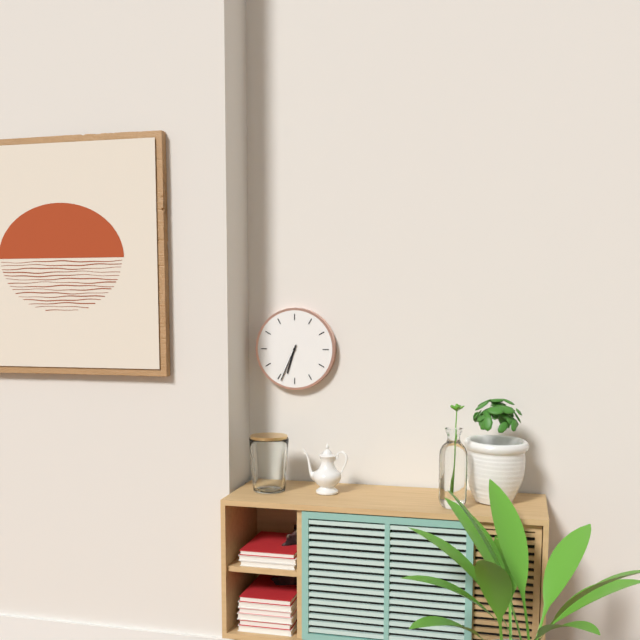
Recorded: 6 h 34 min
